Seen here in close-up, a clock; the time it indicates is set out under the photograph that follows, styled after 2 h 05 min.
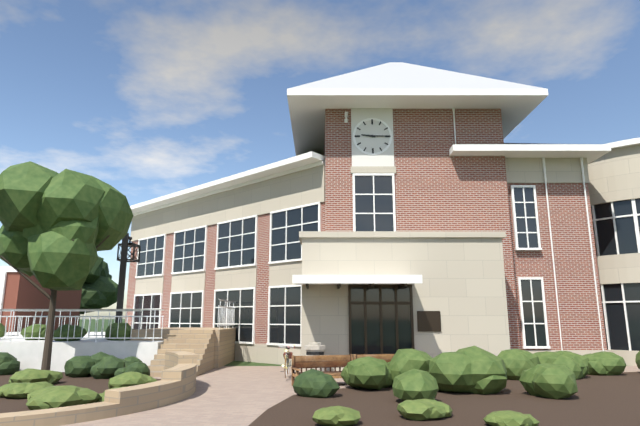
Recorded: 9 h 15 min
